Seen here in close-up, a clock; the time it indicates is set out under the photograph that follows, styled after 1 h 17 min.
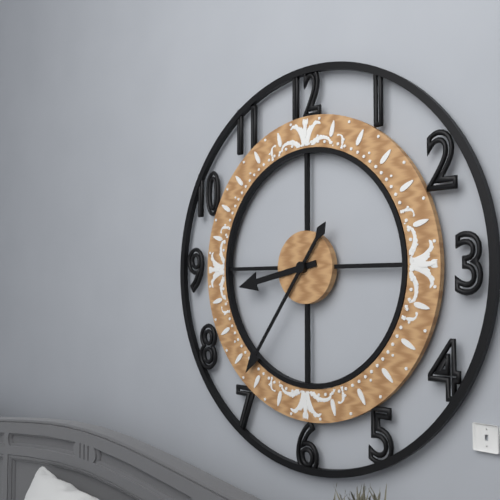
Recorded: 8 h 36 min
